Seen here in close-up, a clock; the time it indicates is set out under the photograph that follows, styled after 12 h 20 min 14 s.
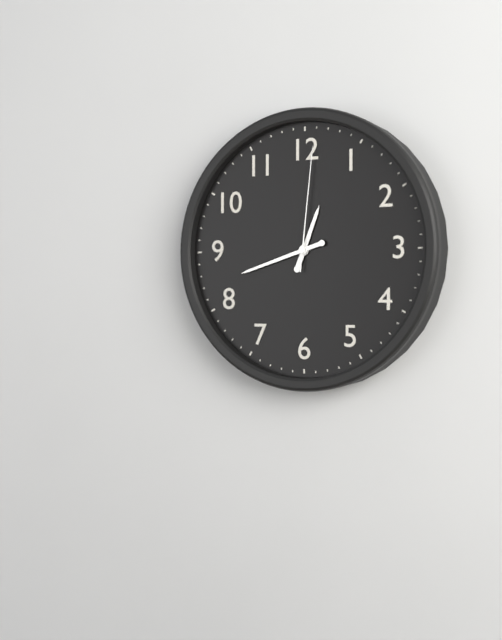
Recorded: 12 h 42 min 01 s
